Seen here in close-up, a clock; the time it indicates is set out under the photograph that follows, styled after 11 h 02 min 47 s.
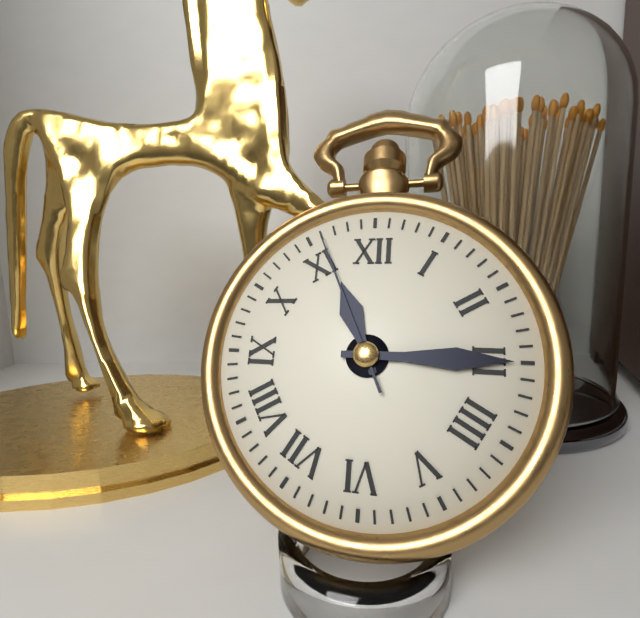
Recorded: 11 h 15 min 56 s
